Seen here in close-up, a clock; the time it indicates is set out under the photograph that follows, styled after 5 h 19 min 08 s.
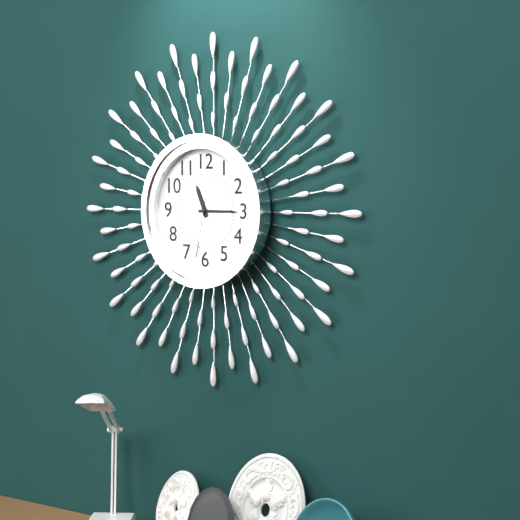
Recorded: 11 h 15 min 32 s
